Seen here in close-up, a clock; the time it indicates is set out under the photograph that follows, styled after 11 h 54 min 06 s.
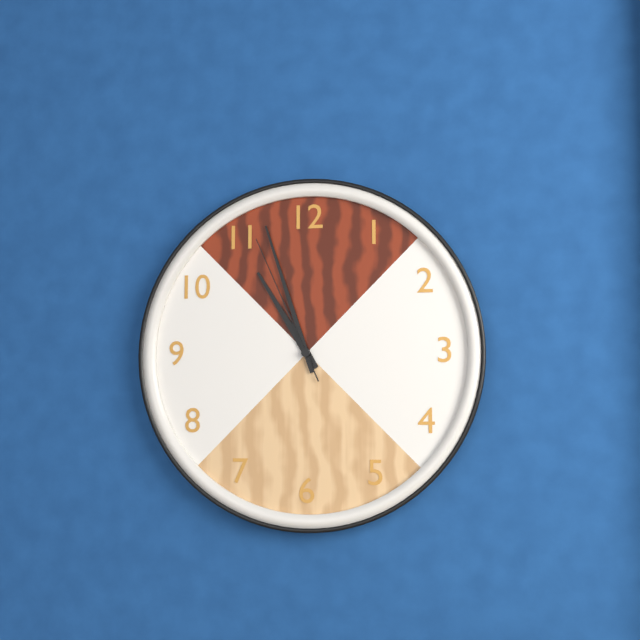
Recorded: 10 h 57 min 56 s
